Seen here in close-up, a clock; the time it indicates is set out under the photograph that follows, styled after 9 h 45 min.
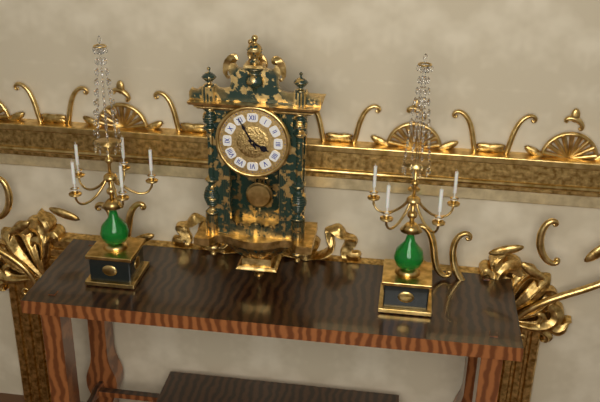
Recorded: 3 h 55 min
